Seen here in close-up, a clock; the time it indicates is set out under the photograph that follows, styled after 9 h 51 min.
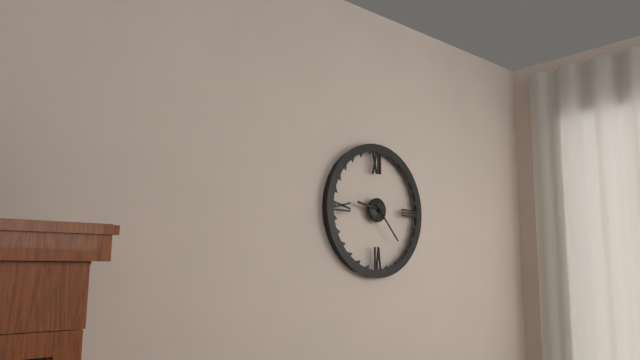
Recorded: 9 h 23 min
